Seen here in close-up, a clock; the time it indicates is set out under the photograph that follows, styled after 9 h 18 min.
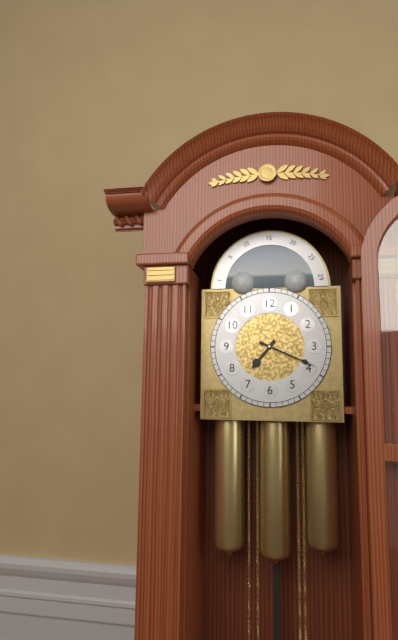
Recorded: 7 h 19 min
